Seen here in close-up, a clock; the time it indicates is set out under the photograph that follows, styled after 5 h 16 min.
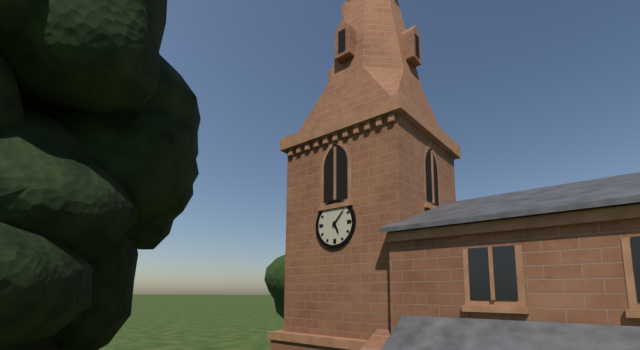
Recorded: 5 h 07 min
